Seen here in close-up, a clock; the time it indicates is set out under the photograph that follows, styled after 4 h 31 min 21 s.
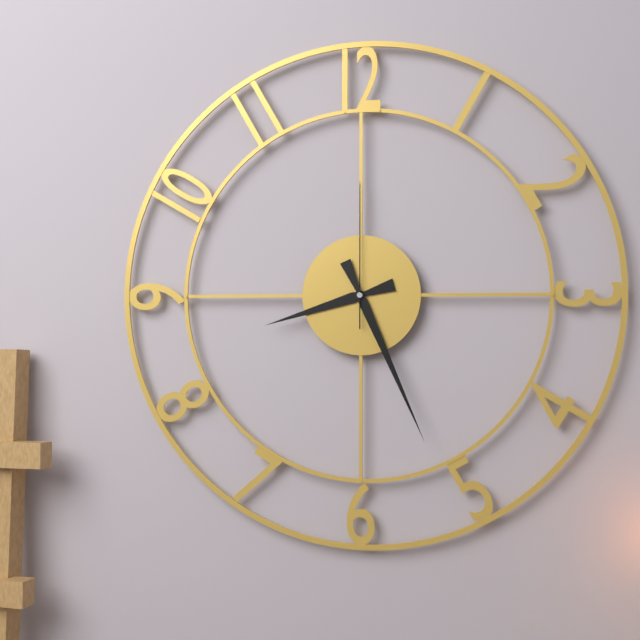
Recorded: 8 h 26 min 00 s
